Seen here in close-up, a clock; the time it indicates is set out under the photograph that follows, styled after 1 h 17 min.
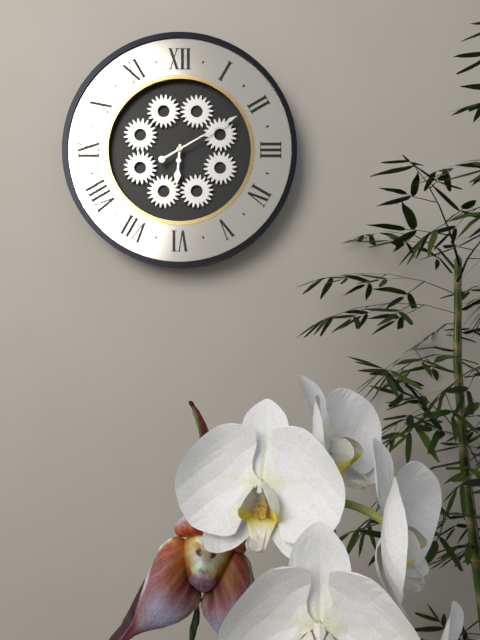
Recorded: 6 h 10 min
